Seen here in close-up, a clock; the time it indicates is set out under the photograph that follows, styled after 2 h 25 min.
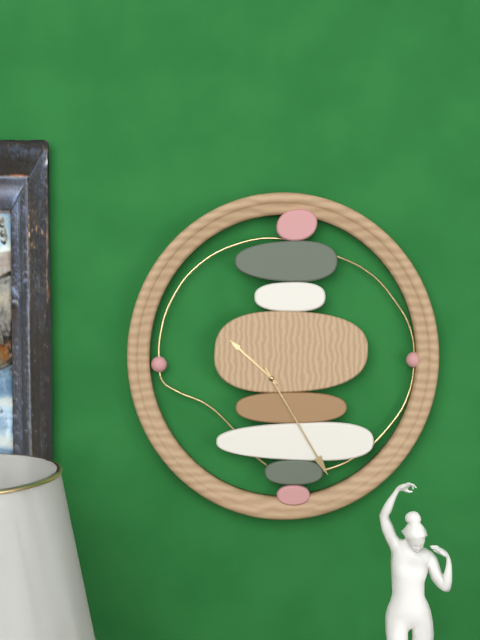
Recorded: 10 h 25 min
